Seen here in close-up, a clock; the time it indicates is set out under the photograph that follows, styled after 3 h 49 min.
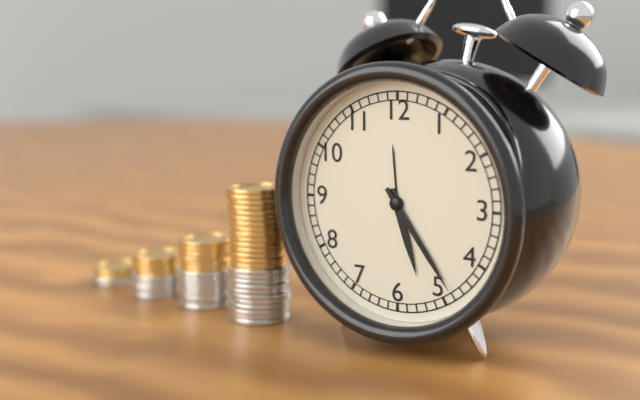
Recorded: 5 h 24 min
